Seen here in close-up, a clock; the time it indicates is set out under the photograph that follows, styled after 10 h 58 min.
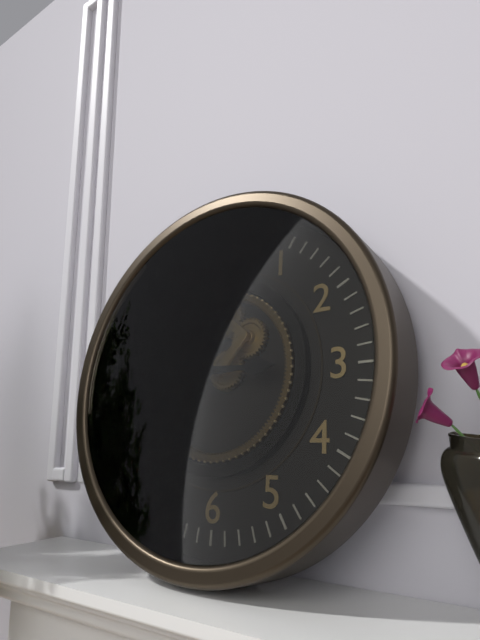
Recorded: 3 h 01 min
